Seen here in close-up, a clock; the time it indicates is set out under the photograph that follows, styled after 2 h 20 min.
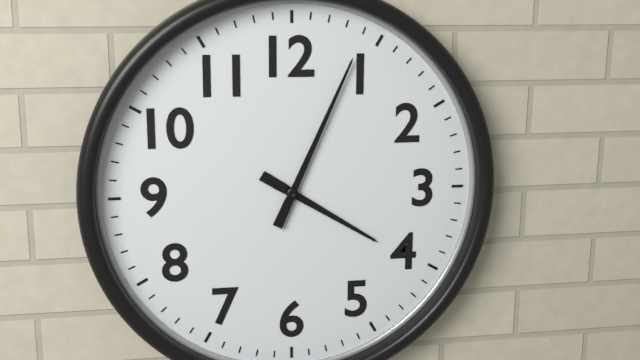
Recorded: 4 h 04 min
